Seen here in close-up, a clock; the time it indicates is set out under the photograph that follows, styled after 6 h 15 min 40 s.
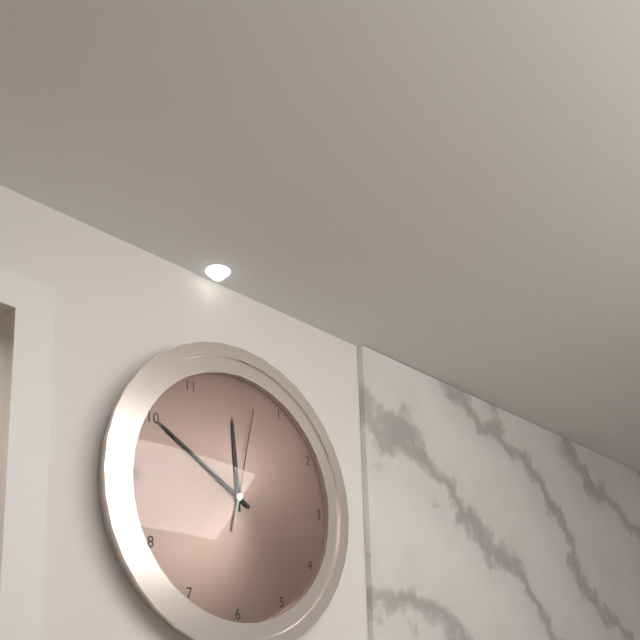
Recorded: 11 h 50 min 02 s
